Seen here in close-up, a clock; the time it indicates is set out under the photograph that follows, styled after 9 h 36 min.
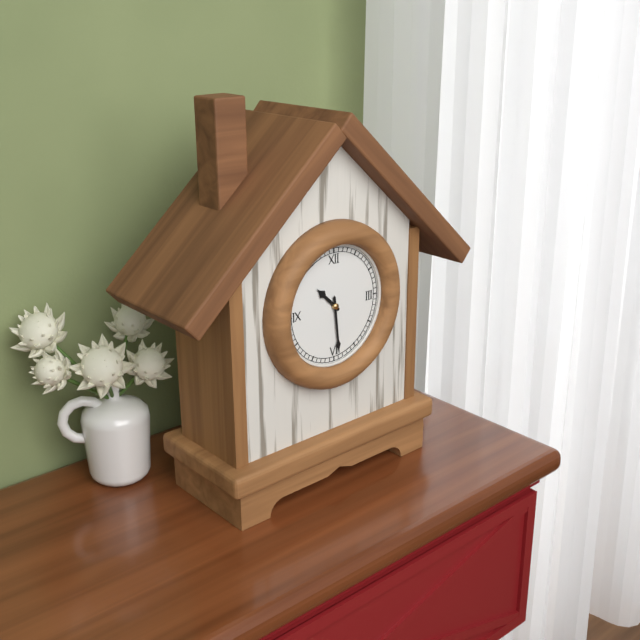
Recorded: 10 h 29 min
